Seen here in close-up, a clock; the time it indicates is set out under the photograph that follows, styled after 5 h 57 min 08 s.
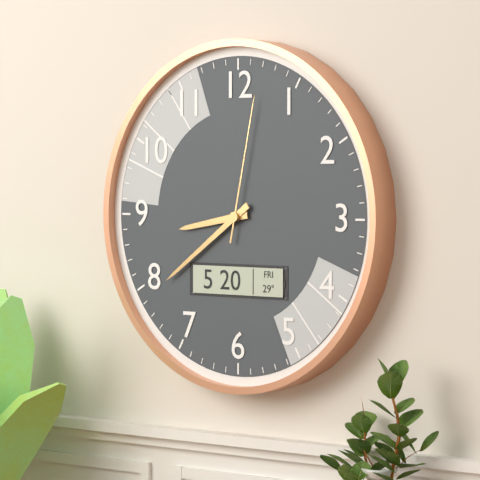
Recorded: 8 h 39 min 02 s
